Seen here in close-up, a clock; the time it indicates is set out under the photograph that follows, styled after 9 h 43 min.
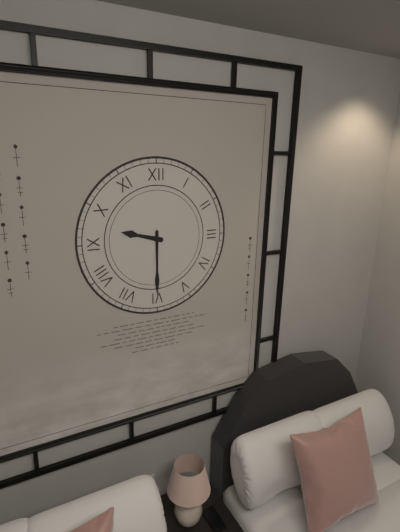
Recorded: 9 h 30 min
